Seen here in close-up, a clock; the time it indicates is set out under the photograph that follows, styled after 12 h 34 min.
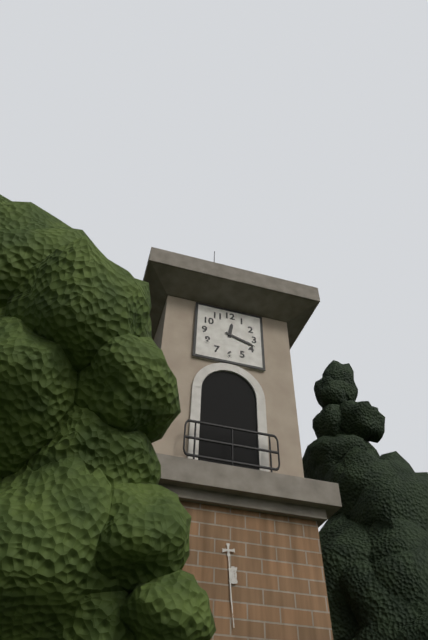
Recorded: 12 h 18 min
